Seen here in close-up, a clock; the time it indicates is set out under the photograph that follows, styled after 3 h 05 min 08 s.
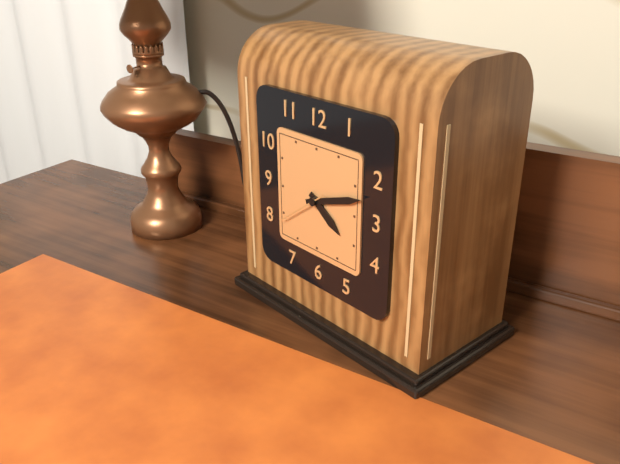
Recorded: 4 h 12 min 39 s
